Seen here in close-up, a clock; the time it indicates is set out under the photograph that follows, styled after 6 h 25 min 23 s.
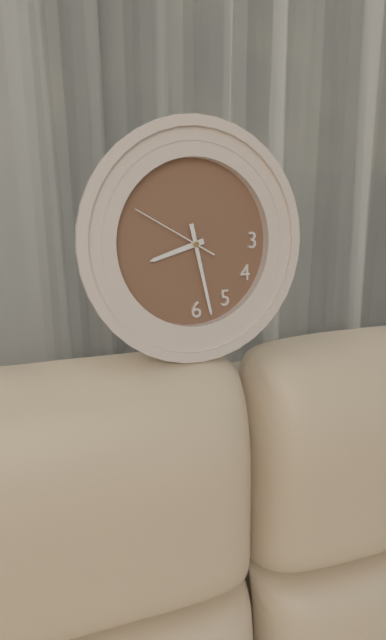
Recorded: 8 h 28 min 50 s
